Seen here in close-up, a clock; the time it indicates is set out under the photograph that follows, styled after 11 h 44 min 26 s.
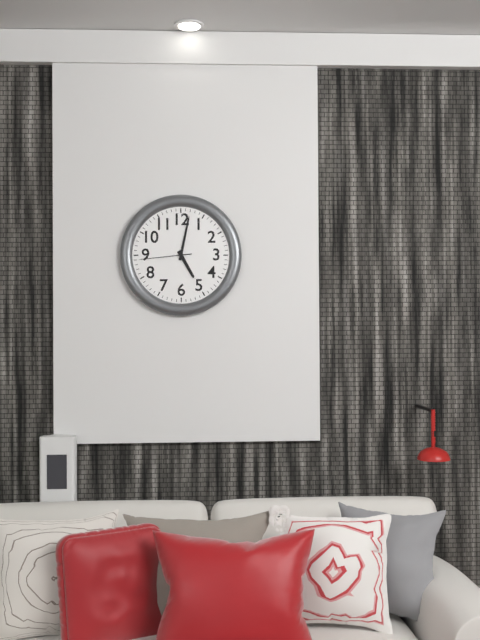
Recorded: 5 h 02 min 44 s
